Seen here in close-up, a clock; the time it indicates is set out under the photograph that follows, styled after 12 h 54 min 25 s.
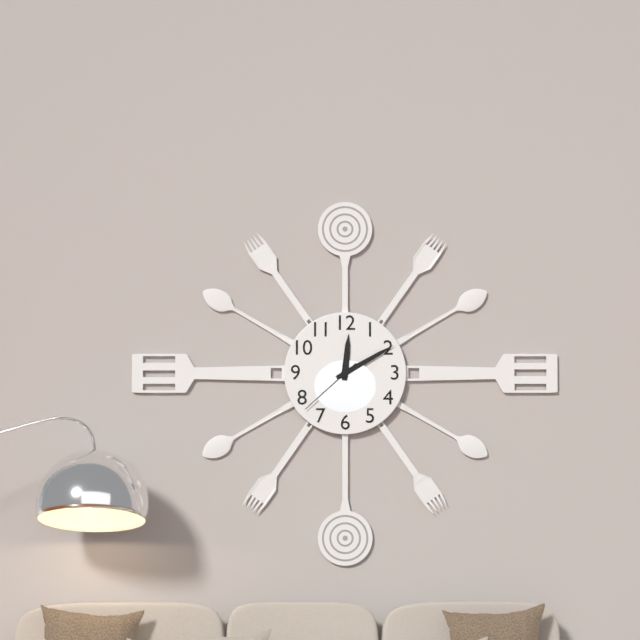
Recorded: 12 h 10 min 38 s
